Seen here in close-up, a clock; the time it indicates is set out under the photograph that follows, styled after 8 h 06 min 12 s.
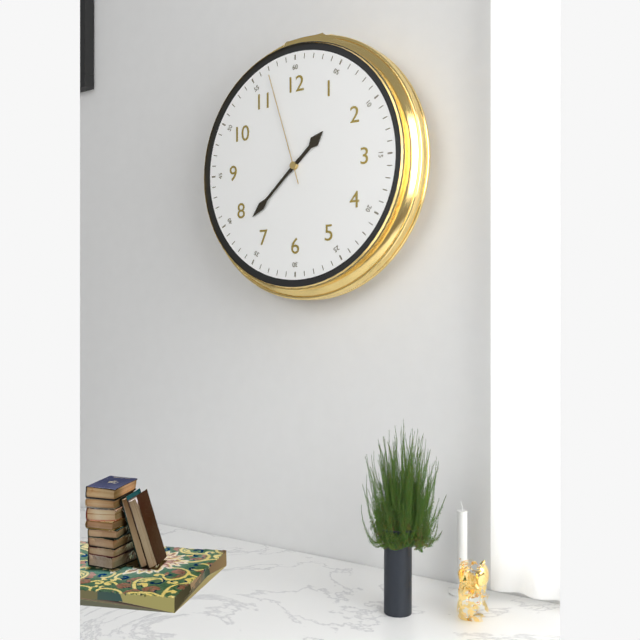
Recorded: 1 h 38 min 57 s
